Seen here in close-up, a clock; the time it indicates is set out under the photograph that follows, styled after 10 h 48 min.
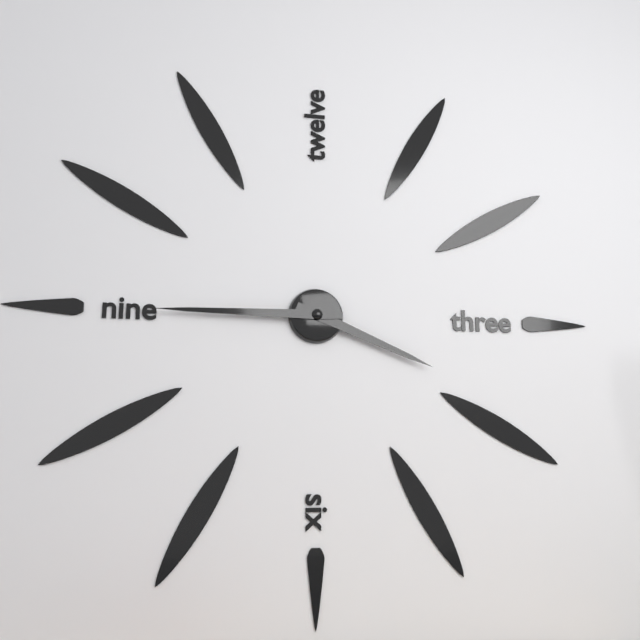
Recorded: 3 h 45 min
